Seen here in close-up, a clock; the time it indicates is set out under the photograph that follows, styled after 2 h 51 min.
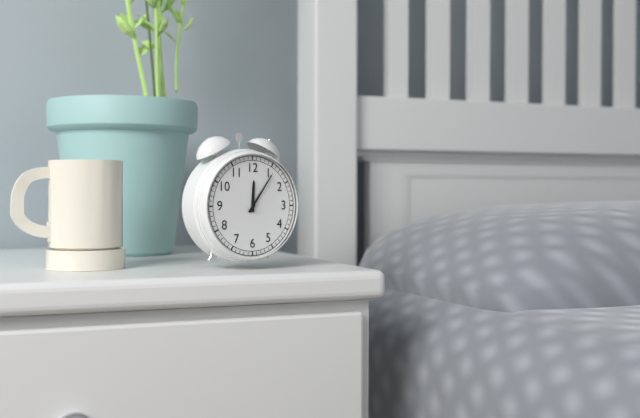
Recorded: 12 h 06 min
